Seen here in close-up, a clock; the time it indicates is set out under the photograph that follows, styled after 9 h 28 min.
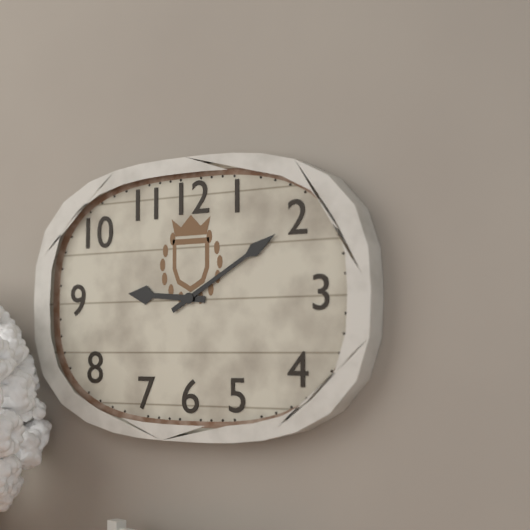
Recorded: 9 h 10 min
